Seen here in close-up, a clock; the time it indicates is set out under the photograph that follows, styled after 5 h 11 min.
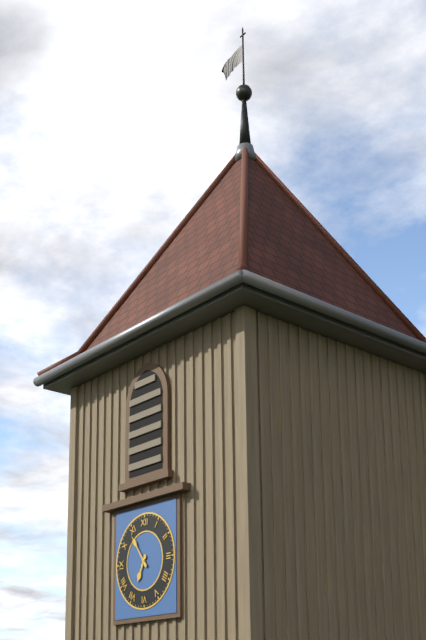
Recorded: 6 h 54 min
